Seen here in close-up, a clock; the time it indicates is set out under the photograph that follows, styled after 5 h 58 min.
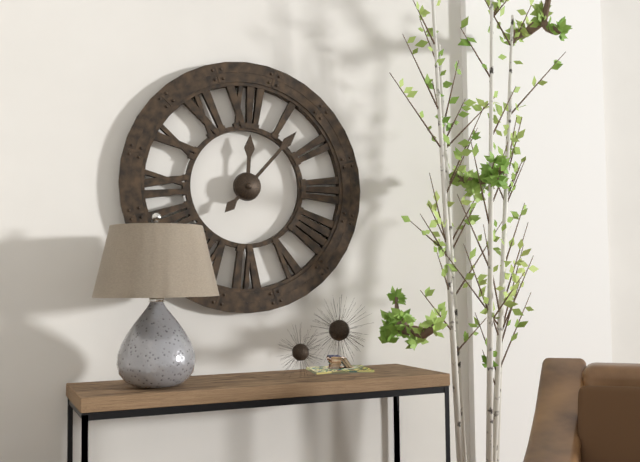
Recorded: 12 h 07 min
